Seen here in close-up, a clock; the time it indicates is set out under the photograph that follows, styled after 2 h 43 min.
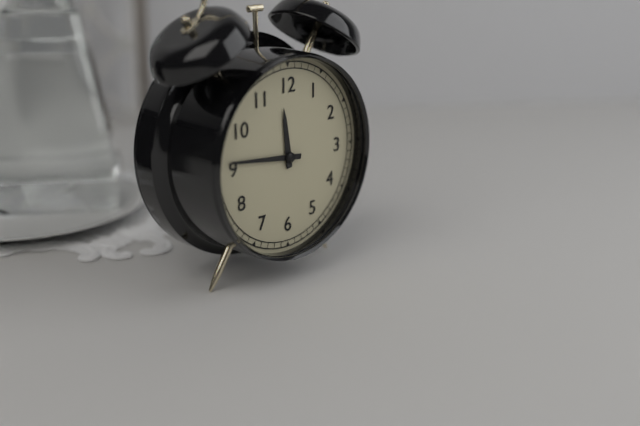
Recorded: 11 h 46 min
